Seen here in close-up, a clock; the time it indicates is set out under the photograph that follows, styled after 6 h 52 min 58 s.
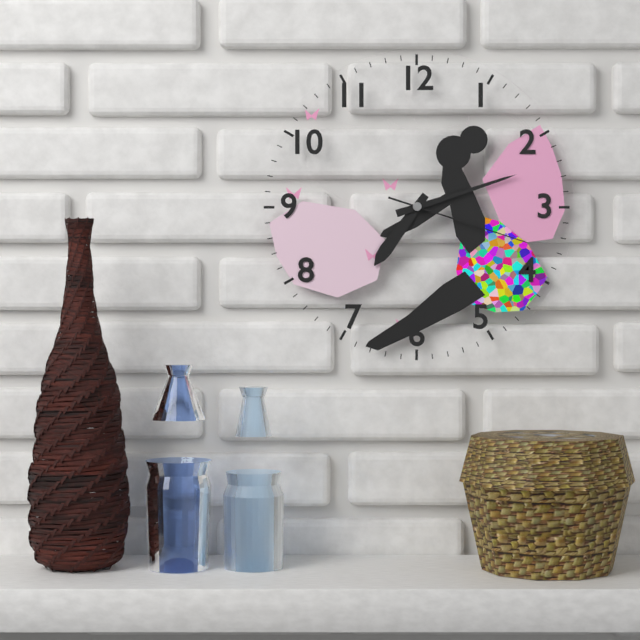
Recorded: 7 h 12 min 18 s
